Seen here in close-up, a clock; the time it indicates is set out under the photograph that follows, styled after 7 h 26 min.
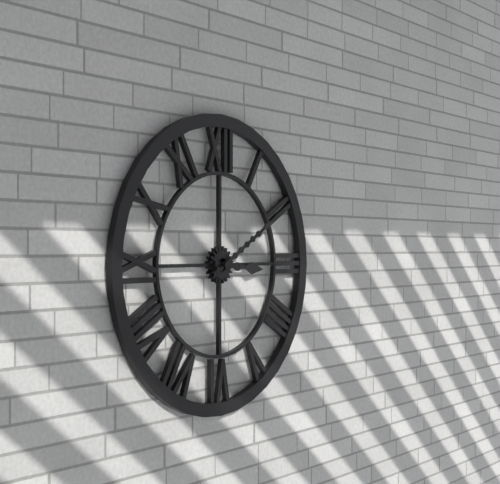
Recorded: 3 h 10 min
